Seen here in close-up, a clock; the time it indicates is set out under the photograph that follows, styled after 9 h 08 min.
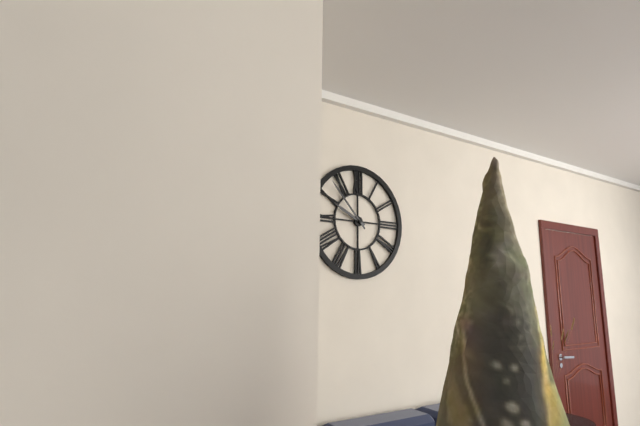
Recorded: 9 h 53 min
